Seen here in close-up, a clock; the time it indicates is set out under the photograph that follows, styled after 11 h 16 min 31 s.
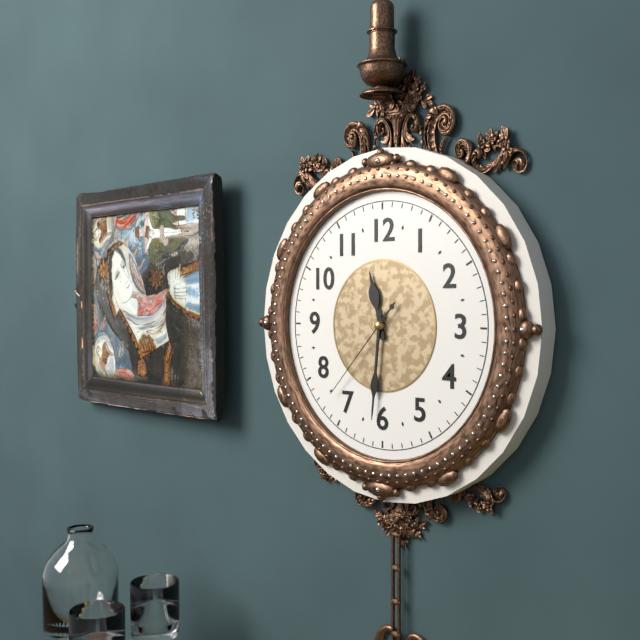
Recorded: 11 h 31 min 37 s
